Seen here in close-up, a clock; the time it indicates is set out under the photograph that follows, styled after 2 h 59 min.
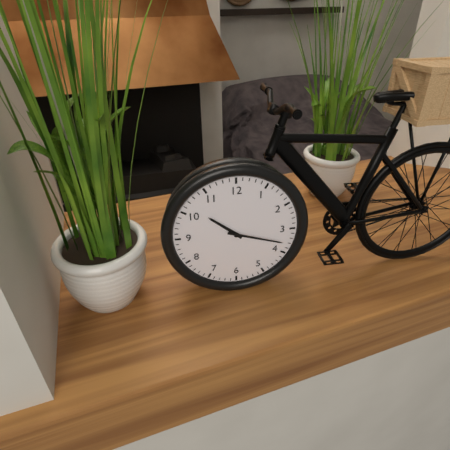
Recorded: 10 h 18 min
